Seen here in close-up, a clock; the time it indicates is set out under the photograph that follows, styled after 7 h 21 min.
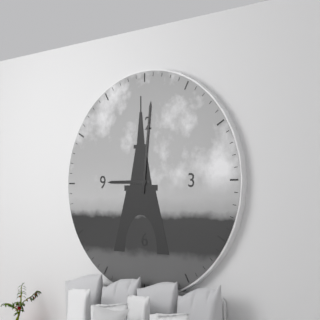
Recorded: 9 h 01 min
